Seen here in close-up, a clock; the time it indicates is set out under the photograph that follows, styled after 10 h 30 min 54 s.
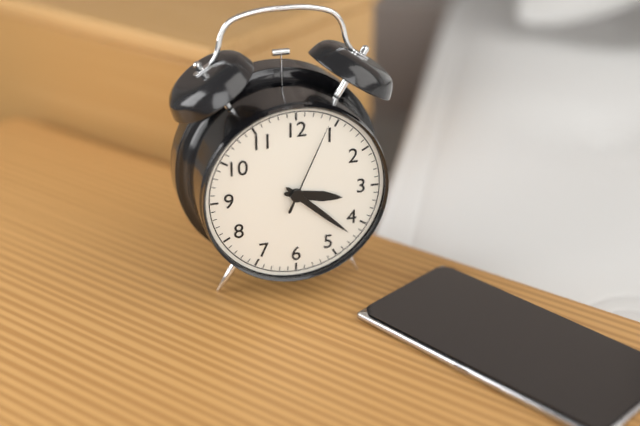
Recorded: 3 h 22 min 04 s
